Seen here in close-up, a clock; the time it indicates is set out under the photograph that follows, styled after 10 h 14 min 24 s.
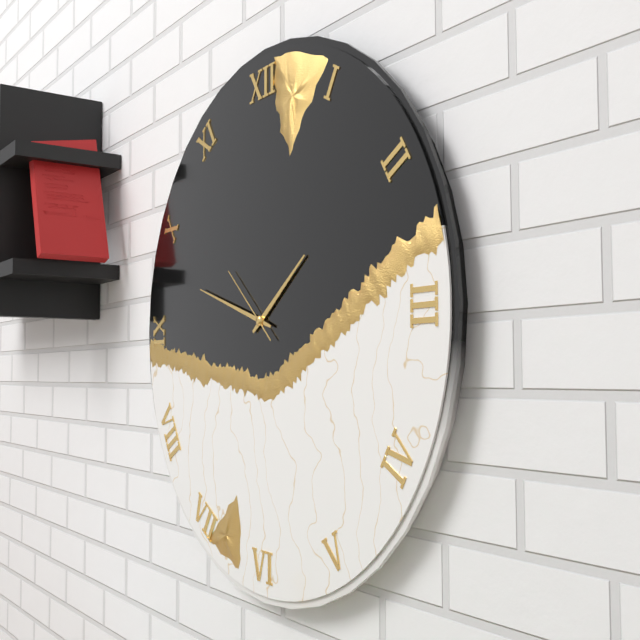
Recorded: 1 h 48 min 52 s
